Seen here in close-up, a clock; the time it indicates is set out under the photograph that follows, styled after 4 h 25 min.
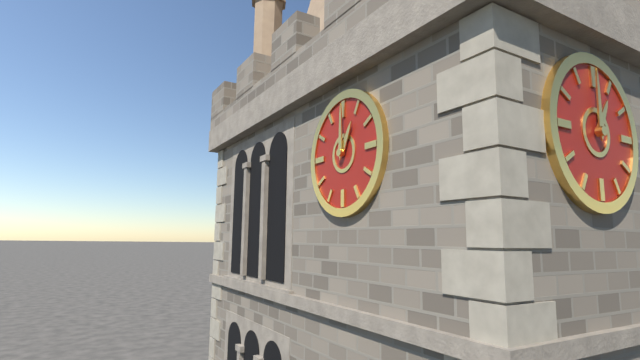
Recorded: 1 h 00 min
